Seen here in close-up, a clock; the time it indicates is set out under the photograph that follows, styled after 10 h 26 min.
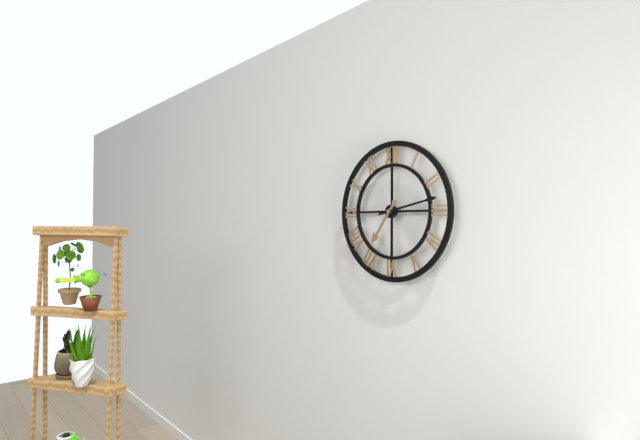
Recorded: 7 h 13 min
